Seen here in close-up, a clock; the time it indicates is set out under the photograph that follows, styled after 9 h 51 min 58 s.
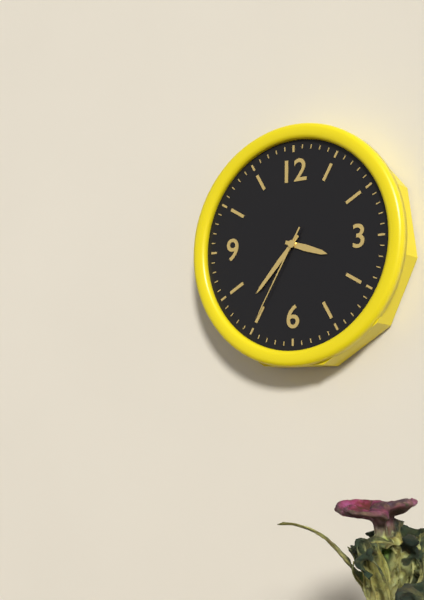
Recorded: 3 h 37 min 35 s
